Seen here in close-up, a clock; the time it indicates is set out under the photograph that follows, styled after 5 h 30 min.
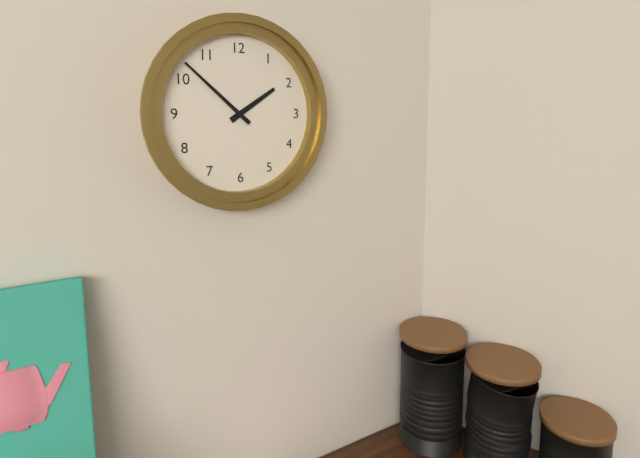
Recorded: 1 h 52 min
